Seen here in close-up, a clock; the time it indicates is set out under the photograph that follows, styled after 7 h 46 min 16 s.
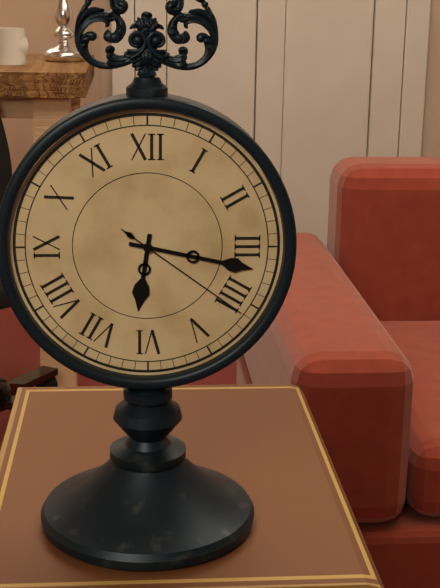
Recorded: 6 h 17 min 21 s
